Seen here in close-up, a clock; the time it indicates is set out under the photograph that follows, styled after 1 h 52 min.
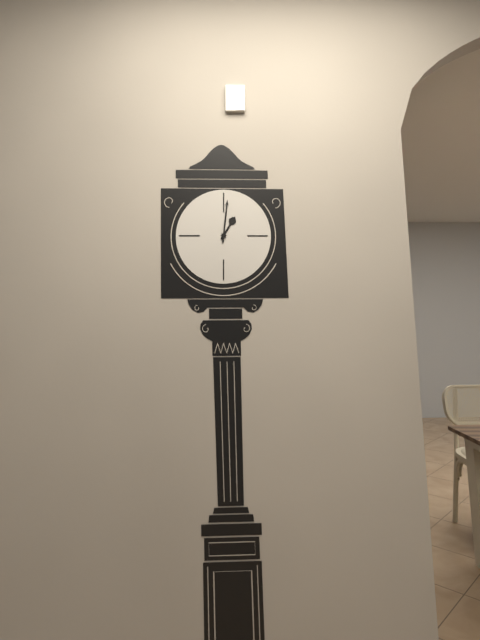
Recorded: 1 h 01 min
